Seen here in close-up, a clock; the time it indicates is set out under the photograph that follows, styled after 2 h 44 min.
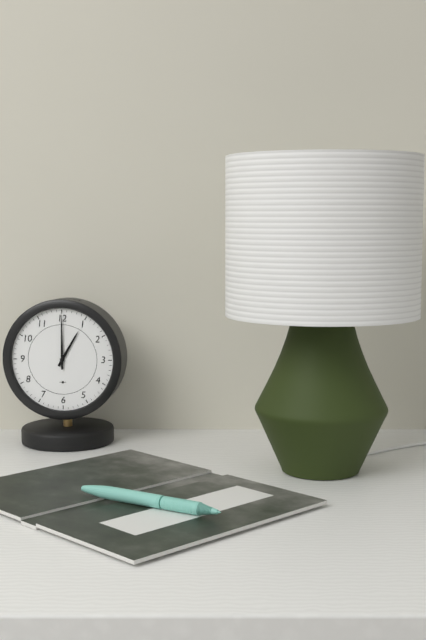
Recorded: 1 h 00 min
